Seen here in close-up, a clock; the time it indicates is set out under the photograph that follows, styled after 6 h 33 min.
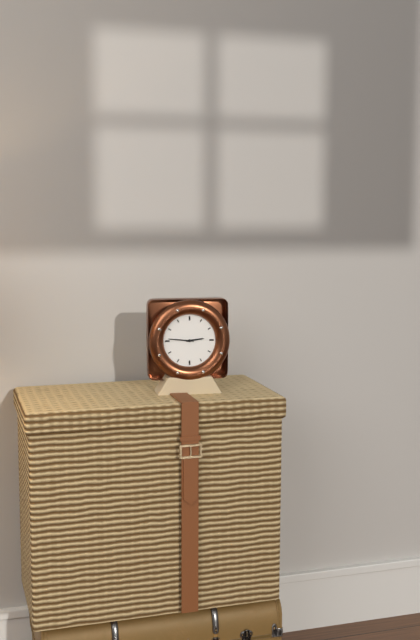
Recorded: 2 h 46 min
